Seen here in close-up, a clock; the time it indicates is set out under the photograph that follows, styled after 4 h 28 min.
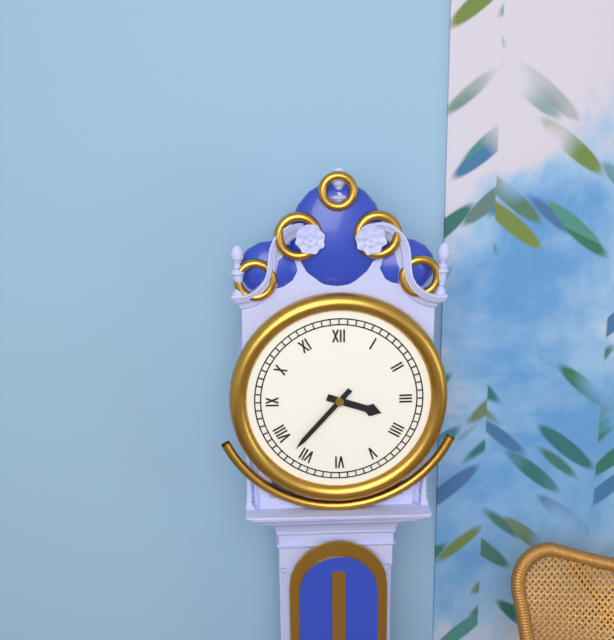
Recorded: 3 h 37 min
